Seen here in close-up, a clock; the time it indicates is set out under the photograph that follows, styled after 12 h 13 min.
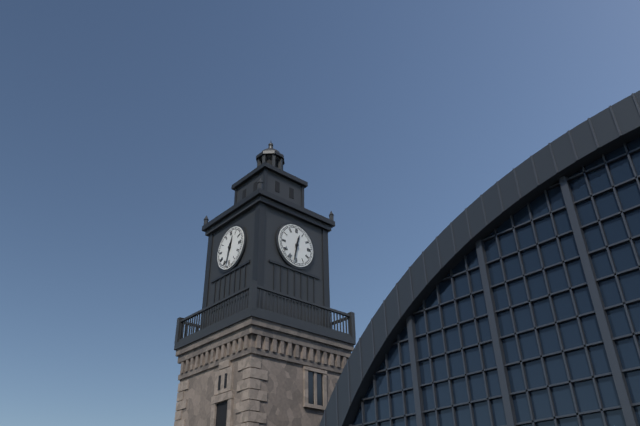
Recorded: 12 h 32 min
